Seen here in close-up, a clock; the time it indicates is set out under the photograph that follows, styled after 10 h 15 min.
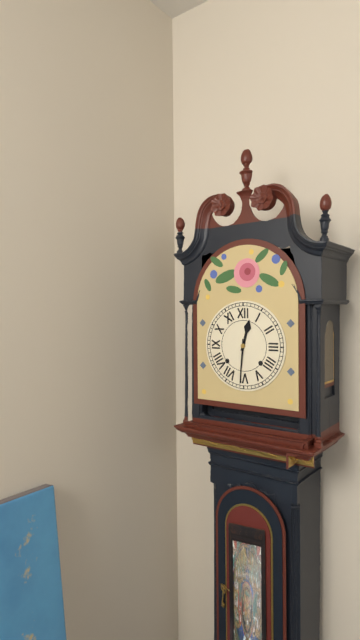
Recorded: 12 h 31 min
